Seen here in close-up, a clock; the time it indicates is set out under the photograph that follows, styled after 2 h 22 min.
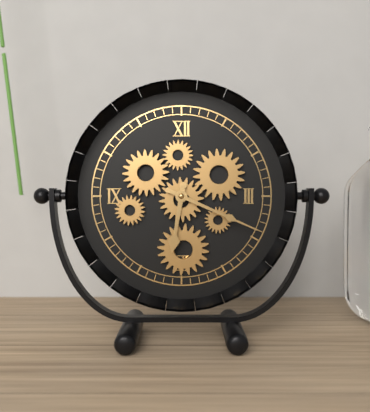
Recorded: 6 h 19 min
